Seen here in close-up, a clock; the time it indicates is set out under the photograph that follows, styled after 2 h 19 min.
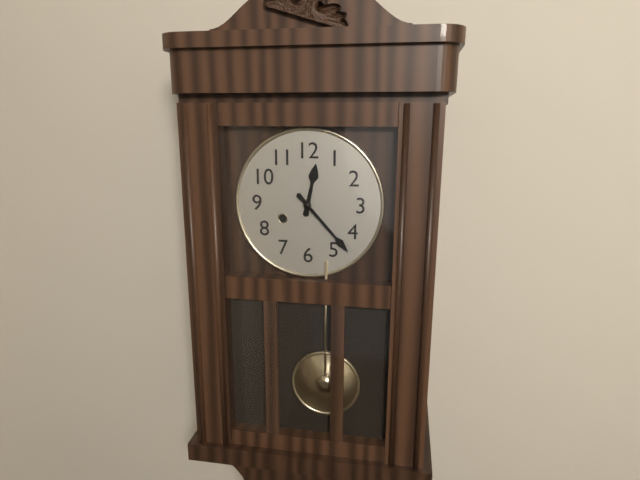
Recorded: 12 h 23 min
